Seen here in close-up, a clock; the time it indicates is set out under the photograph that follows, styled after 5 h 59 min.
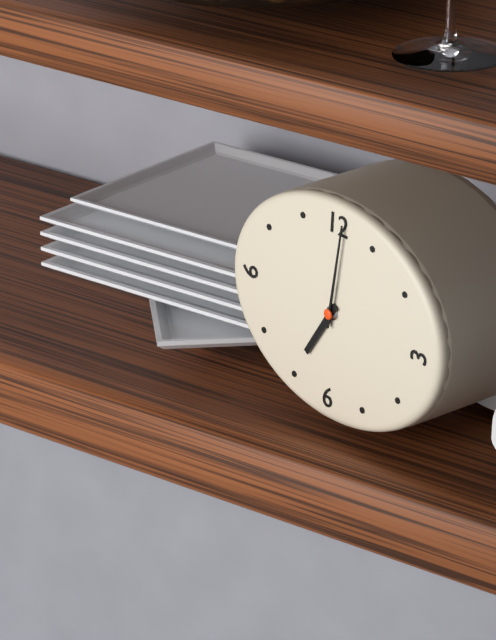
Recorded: 7 h 01 min
